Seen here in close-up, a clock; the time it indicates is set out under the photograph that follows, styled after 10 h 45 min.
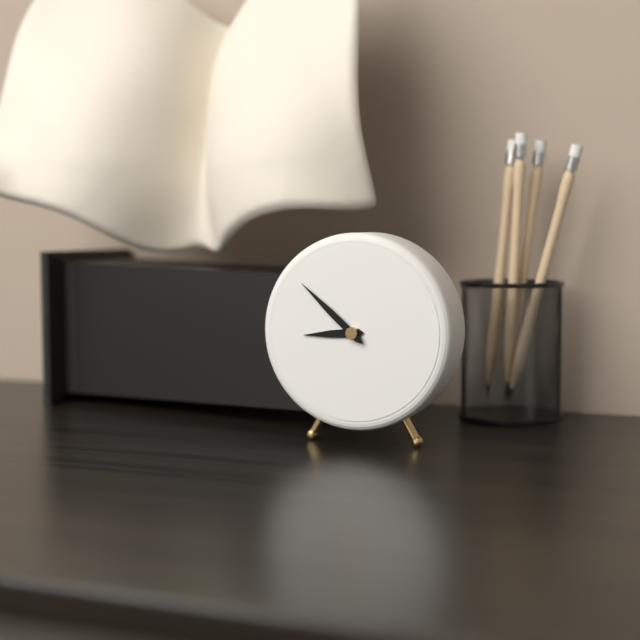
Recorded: 8 h 52 min
